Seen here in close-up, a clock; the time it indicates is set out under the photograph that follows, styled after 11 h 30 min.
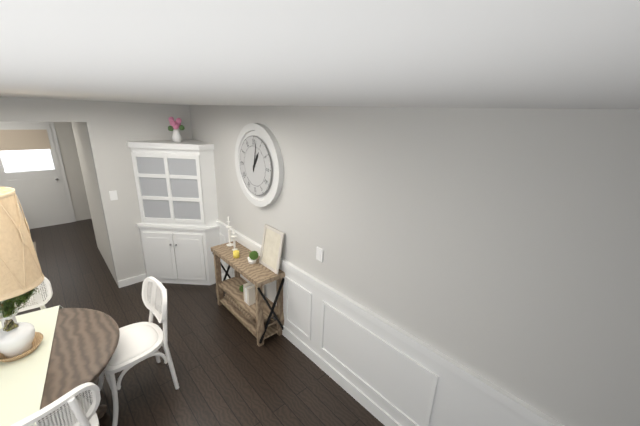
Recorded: 1 h 02 min
